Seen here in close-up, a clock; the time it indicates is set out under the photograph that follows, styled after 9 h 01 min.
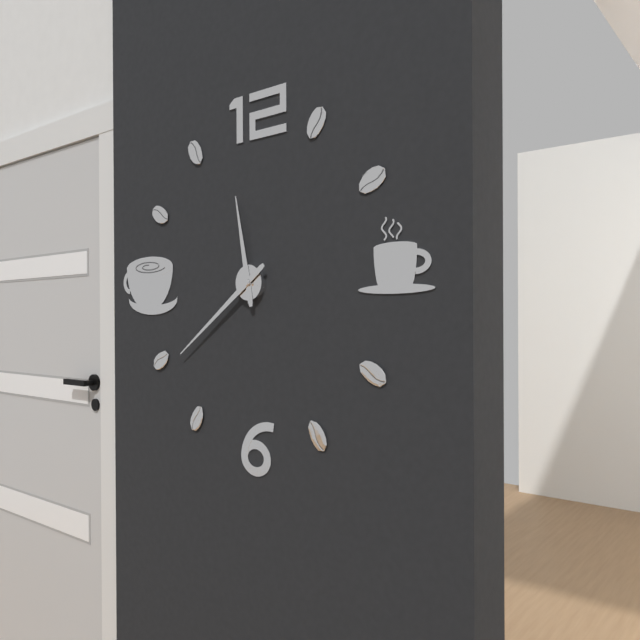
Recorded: 11 h 39 min
